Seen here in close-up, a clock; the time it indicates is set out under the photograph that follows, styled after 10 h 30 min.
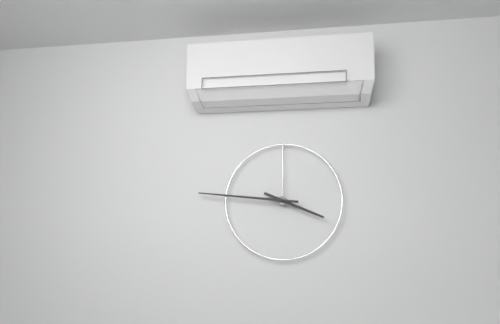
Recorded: 3 h 46 min
